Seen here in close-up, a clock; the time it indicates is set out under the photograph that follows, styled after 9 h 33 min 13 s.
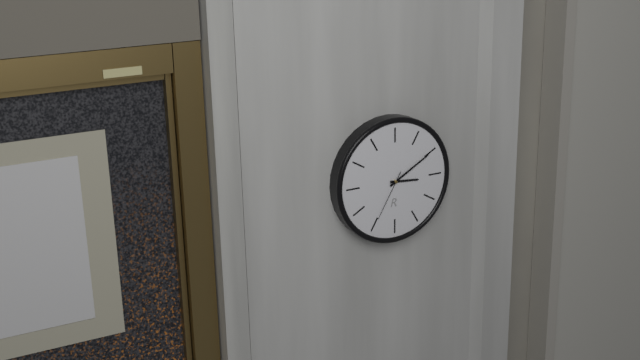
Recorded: 3 h 10 min 35 s
